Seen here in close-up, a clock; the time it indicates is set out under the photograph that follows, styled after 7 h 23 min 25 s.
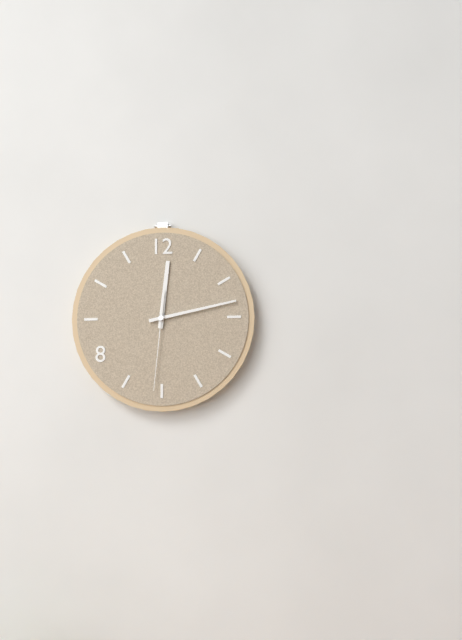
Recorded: 12 h 13 min 31 s
